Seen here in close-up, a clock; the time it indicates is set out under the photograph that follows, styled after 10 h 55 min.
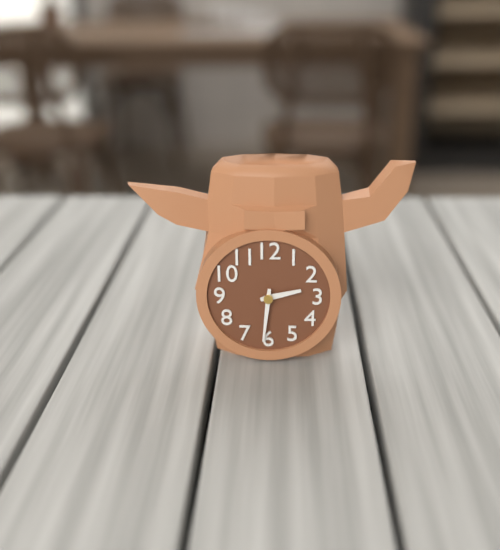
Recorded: 2 h 31 min
